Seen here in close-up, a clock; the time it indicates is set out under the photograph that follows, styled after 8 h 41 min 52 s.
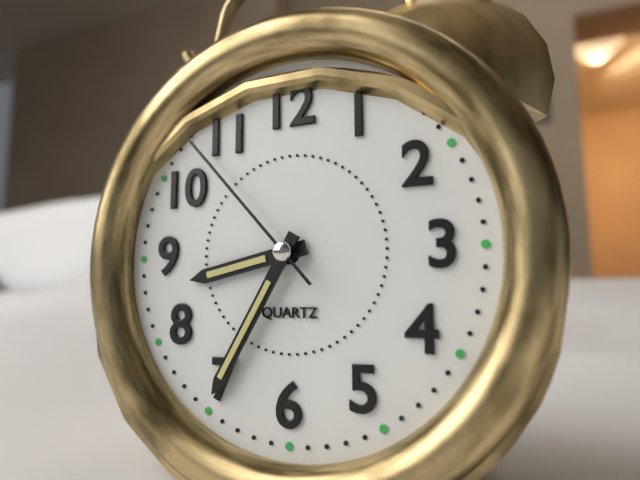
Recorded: 8 h 35 min 53 s
